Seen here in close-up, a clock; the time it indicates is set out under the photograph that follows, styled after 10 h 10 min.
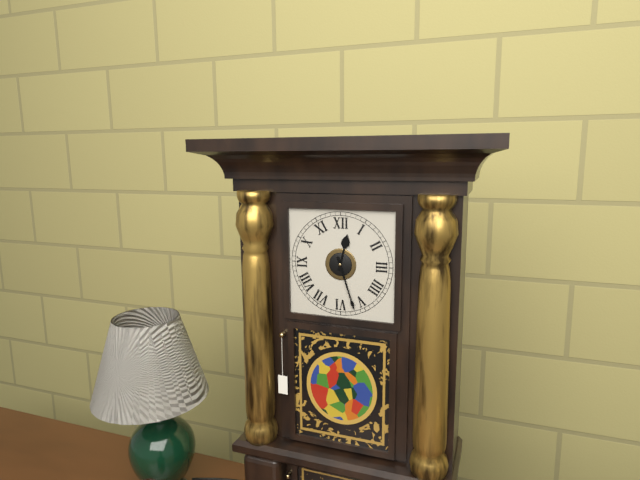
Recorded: 12 h 27 min
